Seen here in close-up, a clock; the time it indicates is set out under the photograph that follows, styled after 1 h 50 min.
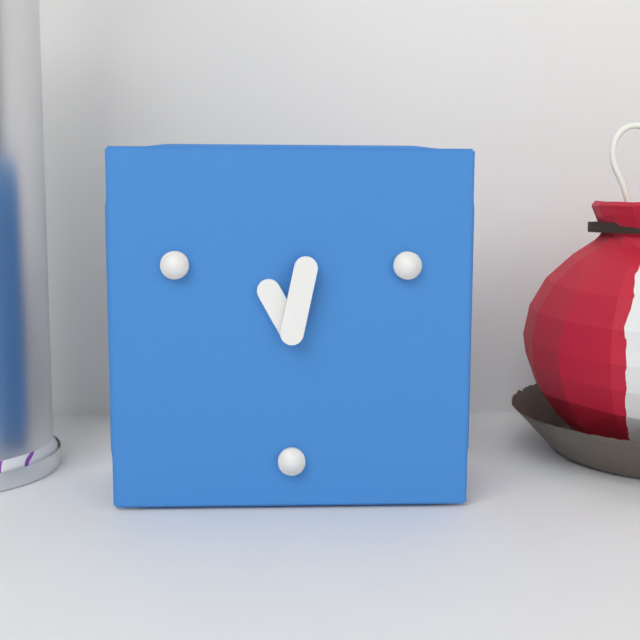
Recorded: 11 h 02 min
